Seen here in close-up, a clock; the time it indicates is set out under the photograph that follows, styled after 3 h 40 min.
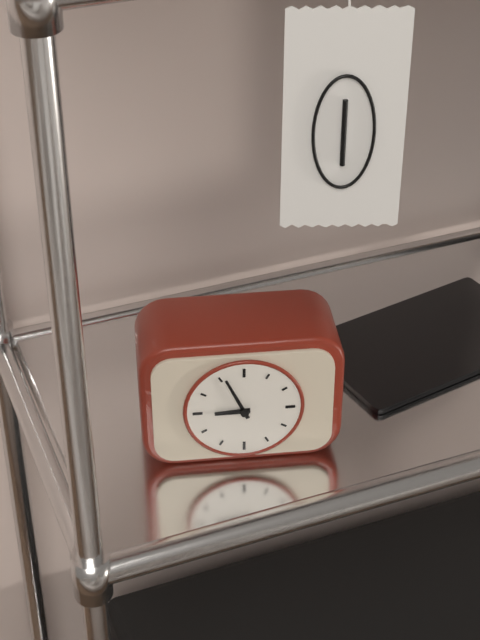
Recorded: 8 h 56 min
